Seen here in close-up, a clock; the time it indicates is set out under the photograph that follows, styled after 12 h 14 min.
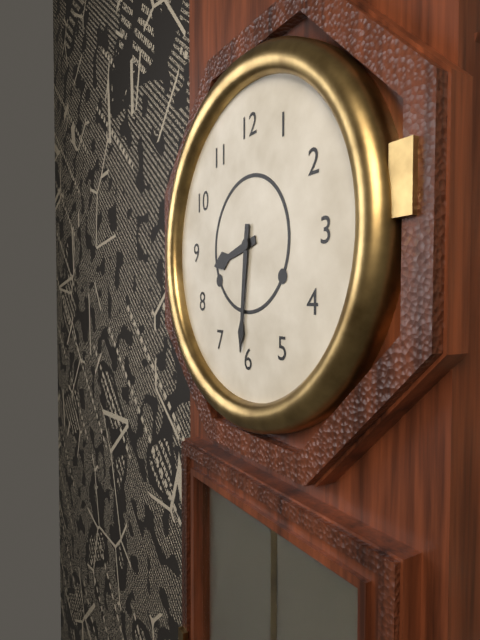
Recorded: 8 h 31 min
